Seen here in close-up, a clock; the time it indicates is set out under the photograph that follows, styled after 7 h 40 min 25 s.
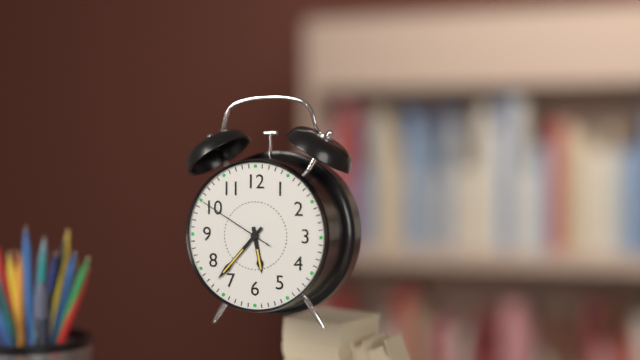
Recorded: 5 h 37 min 50 s
